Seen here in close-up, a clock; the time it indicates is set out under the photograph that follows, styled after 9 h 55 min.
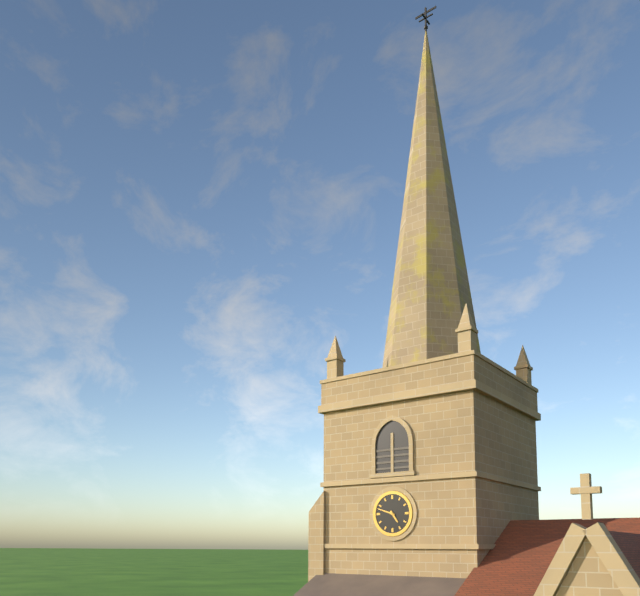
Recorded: 4 h 48 min
